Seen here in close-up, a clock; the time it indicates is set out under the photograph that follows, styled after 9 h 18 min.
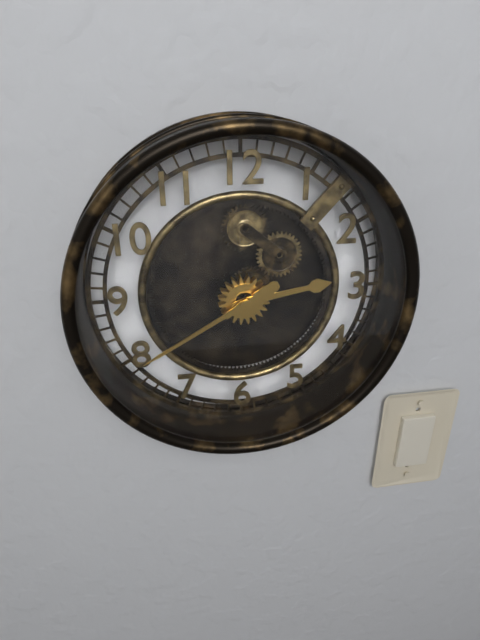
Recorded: 2 h 40 min
